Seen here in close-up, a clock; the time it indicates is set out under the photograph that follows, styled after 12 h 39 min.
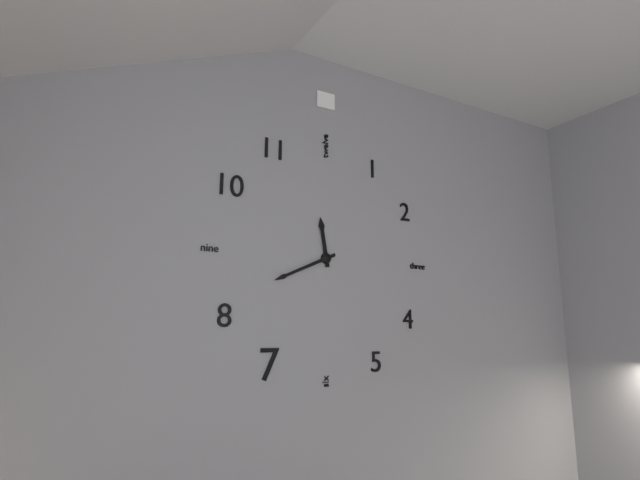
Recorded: 11 h 41 min
